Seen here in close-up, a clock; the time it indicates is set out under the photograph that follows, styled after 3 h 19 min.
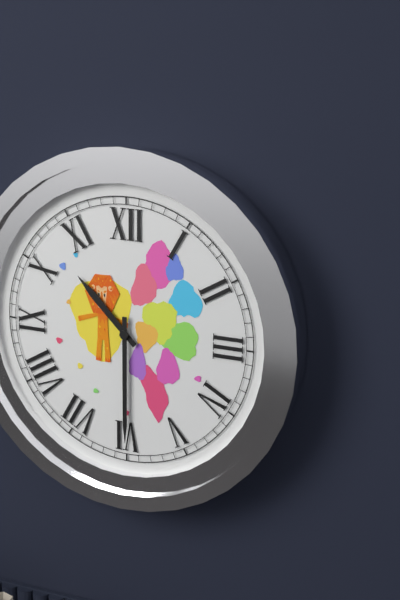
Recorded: 10 h 30 min
